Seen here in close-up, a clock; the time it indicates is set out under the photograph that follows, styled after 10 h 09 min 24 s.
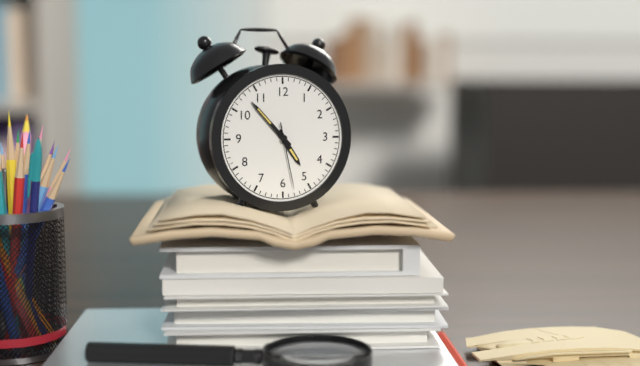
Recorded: 4 h 53 min 28 s
